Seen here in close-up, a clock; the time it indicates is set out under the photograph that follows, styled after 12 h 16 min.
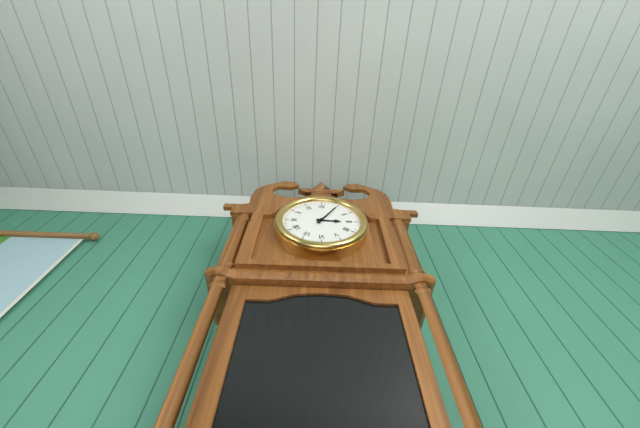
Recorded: 3 h 05 min
